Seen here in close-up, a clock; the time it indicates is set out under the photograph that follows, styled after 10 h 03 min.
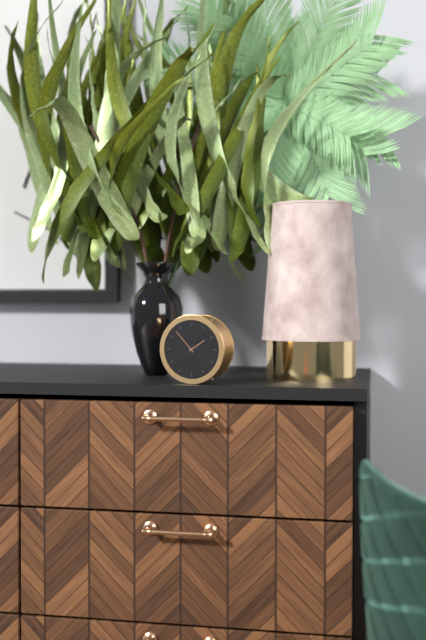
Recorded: 1 h 53 min
